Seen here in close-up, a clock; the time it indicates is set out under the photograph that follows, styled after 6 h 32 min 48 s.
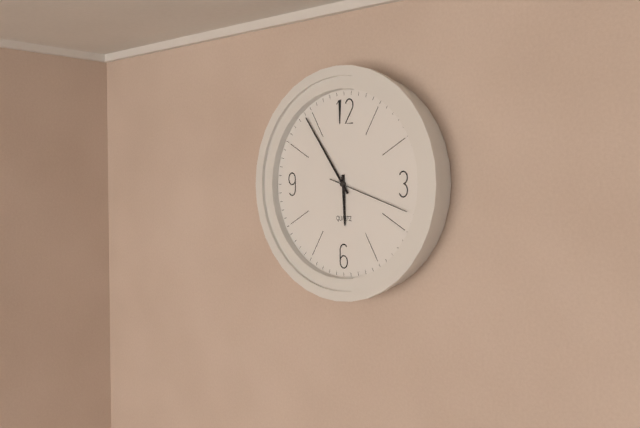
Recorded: 5 h 54 min 18 s
